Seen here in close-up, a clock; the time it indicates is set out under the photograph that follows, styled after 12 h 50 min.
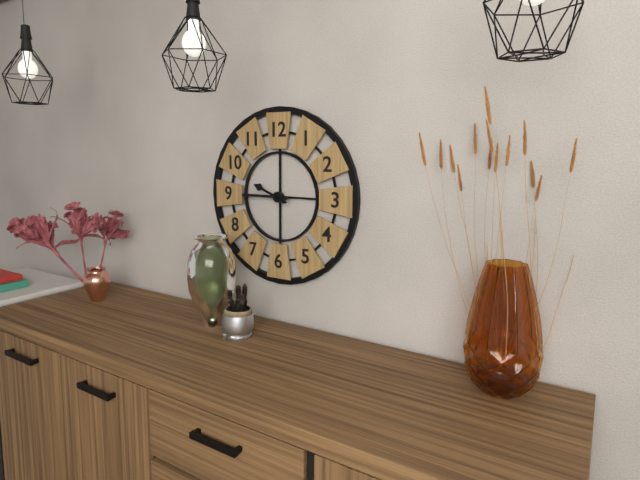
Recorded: 9 h 45 min
